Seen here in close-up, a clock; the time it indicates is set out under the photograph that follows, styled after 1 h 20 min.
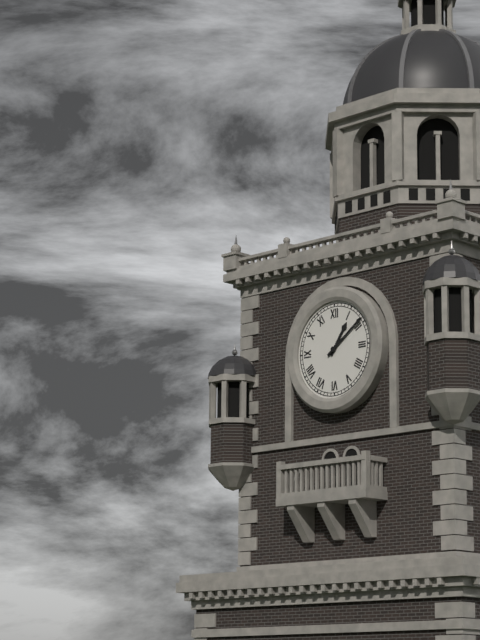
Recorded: 1 h 09 min
